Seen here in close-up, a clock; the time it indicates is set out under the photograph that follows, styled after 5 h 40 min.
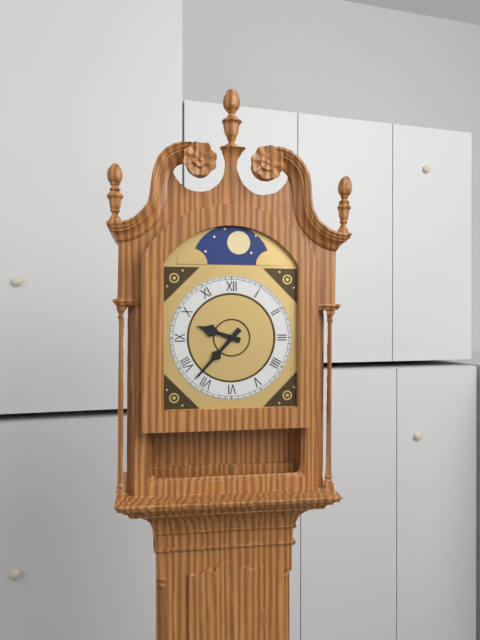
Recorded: 9 h 37 min
